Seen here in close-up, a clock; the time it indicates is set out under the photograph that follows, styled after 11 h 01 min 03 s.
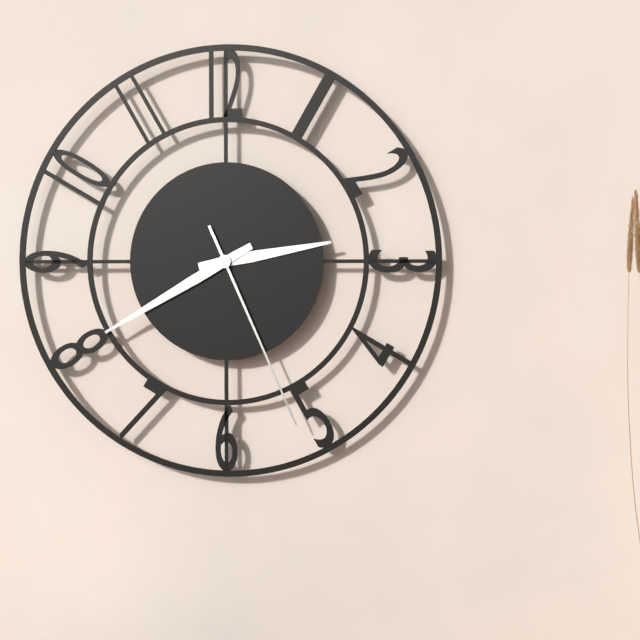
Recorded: 2 h 40 min 26 s
